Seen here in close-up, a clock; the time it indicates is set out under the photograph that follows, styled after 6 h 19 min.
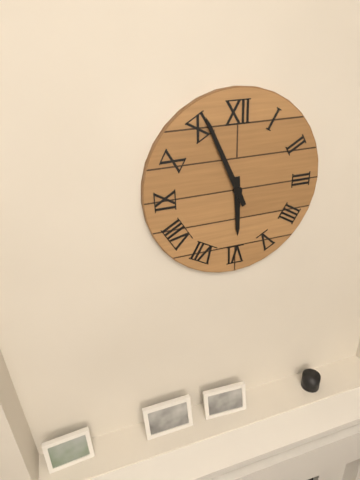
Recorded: 5 h 56 min
